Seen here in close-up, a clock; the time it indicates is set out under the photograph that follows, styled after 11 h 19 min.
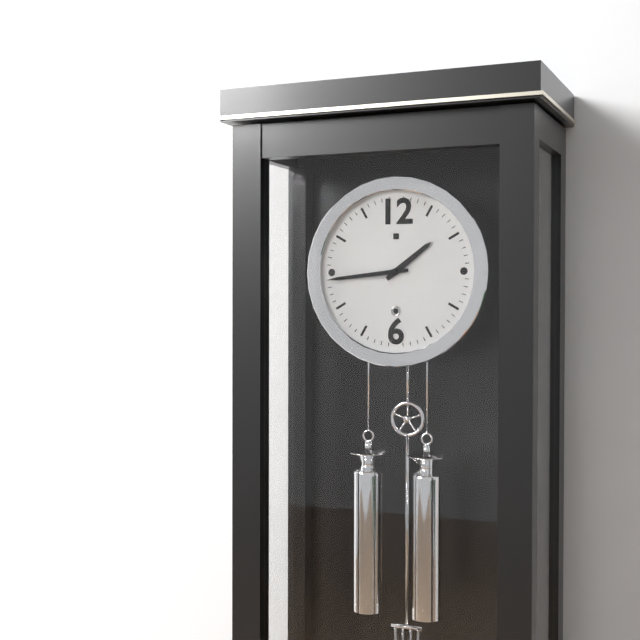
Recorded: 1 h 44 min
